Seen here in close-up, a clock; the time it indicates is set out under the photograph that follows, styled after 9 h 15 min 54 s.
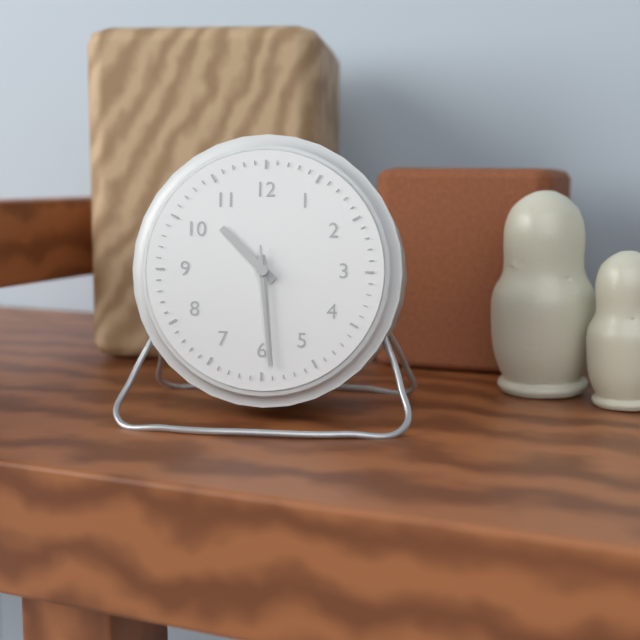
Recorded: 10 h 29 min 29 s
